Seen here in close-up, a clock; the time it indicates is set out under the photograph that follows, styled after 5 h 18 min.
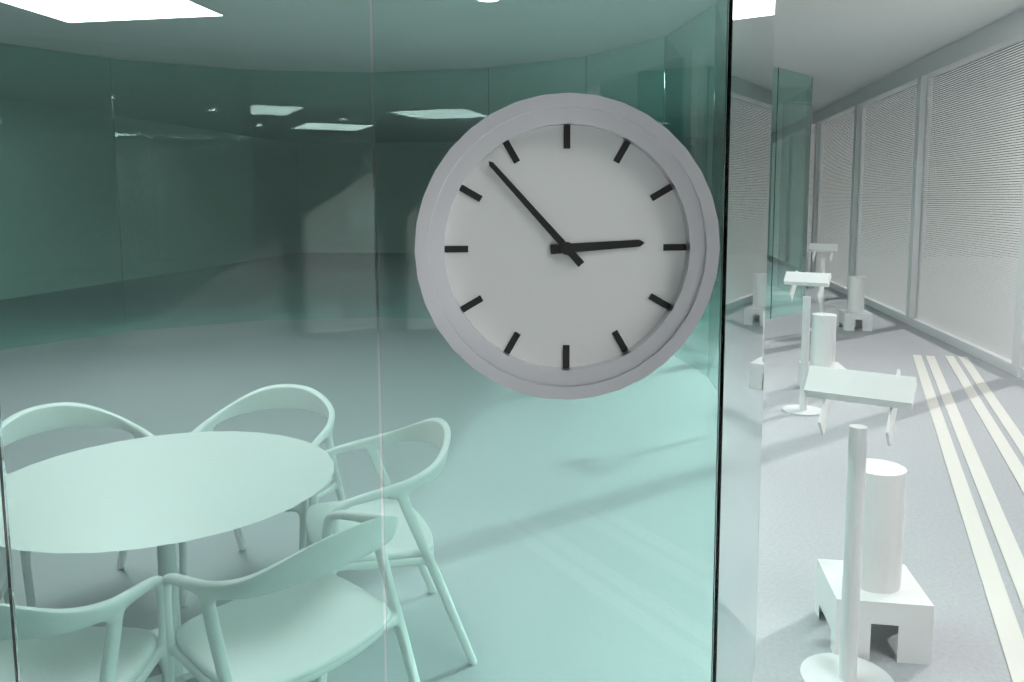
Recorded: 2 h 53 min
